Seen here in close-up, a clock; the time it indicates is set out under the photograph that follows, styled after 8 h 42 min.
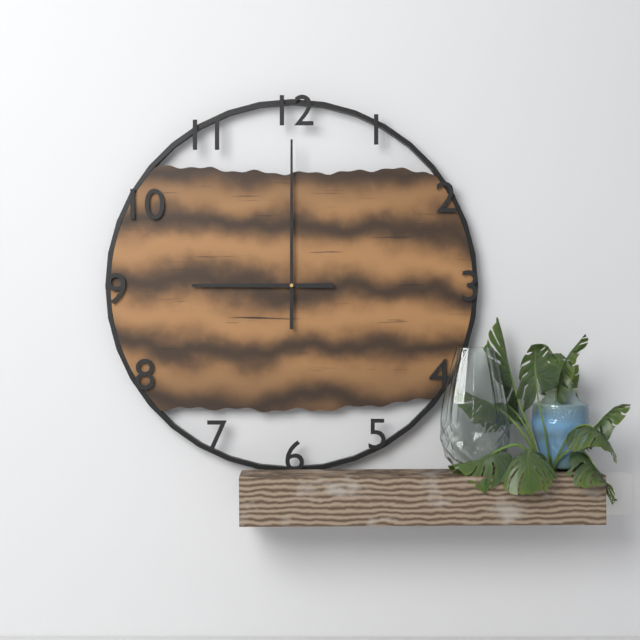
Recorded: 9 h 00 min
